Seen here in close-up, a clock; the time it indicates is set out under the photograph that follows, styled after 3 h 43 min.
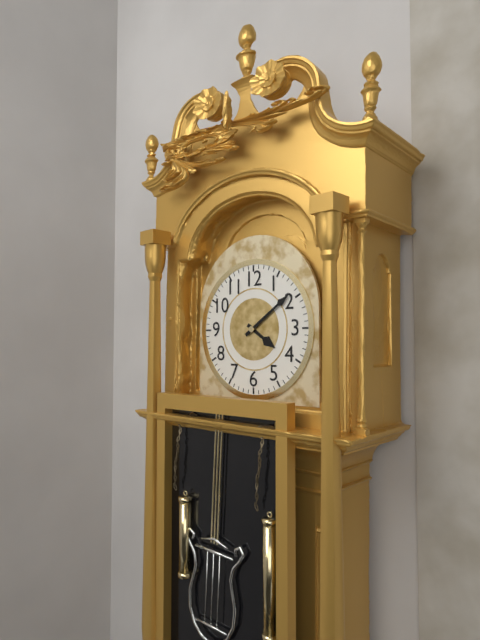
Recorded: 4 h 09 min
